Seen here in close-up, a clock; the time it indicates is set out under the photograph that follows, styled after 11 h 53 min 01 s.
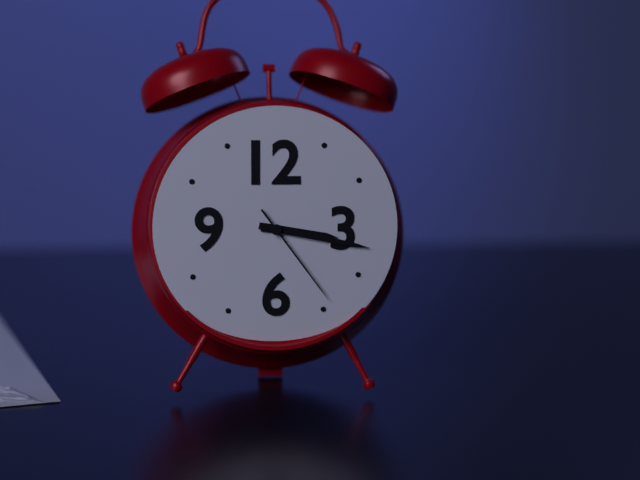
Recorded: 3 h 17 min 24 s
